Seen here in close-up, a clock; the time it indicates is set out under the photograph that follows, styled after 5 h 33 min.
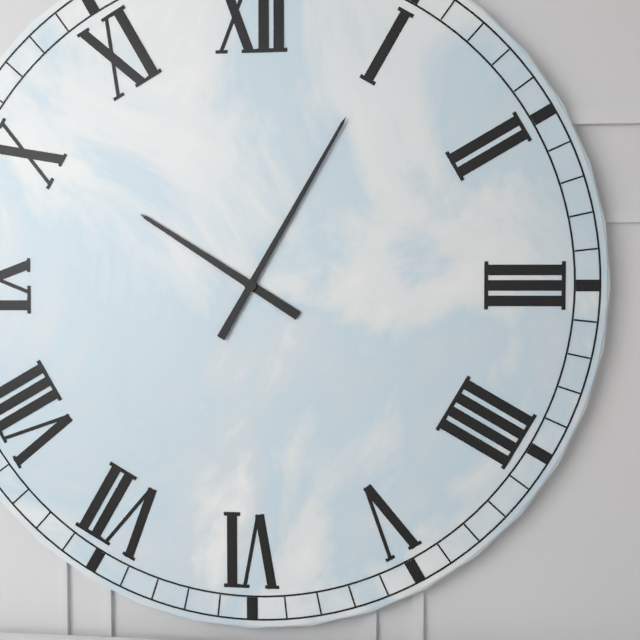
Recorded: 10 h 05 min
